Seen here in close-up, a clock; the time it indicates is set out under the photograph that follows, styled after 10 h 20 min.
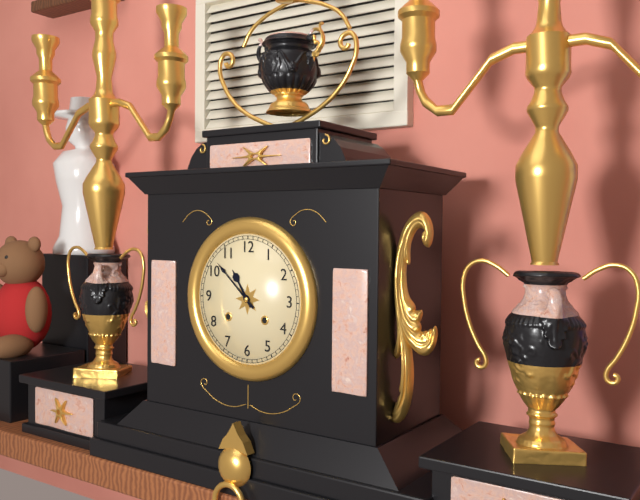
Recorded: 10 h 52 min
